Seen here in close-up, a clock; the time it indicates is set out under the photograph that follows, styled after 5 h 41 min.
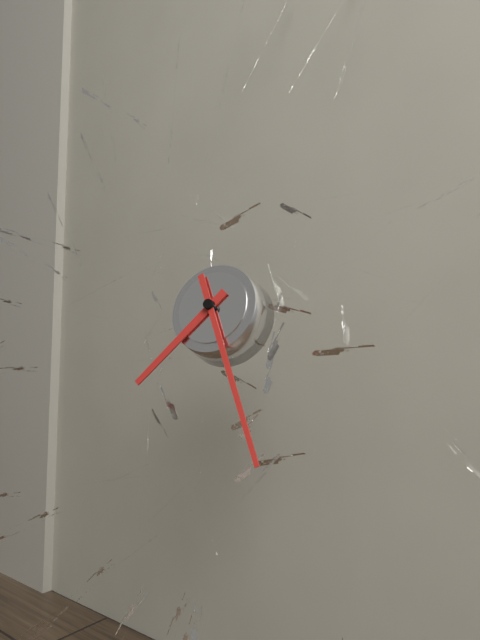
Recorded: 7 h 26 min
